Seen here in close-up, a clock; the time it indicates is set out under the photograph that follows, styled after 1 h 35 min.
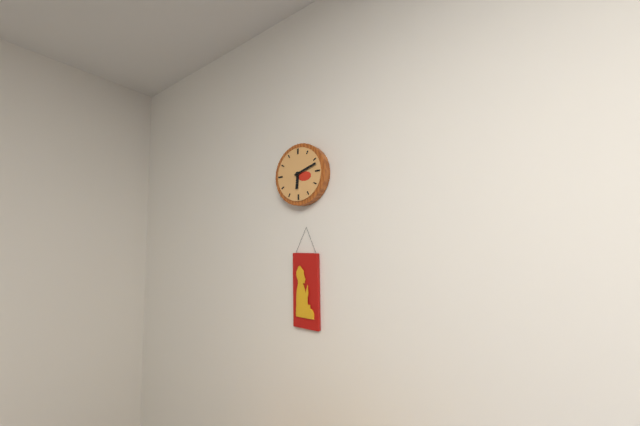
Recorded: 6 h 12 min
